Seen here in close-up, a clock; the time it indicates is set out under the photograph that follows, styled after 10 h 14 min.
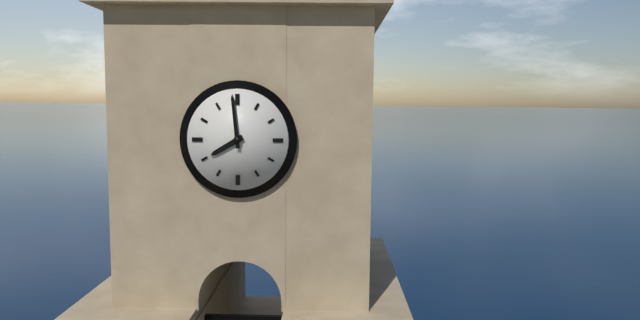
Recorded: 7 h 59 min
